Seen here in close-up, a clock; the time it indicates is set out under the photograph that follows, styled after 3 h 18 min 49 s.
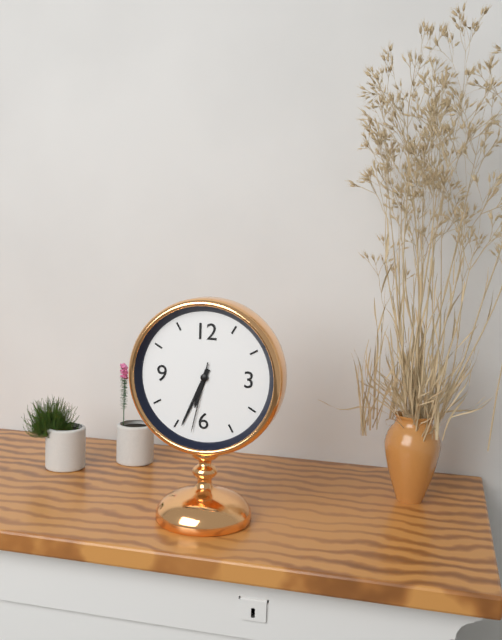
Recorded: 6 h 34 min 32 s
